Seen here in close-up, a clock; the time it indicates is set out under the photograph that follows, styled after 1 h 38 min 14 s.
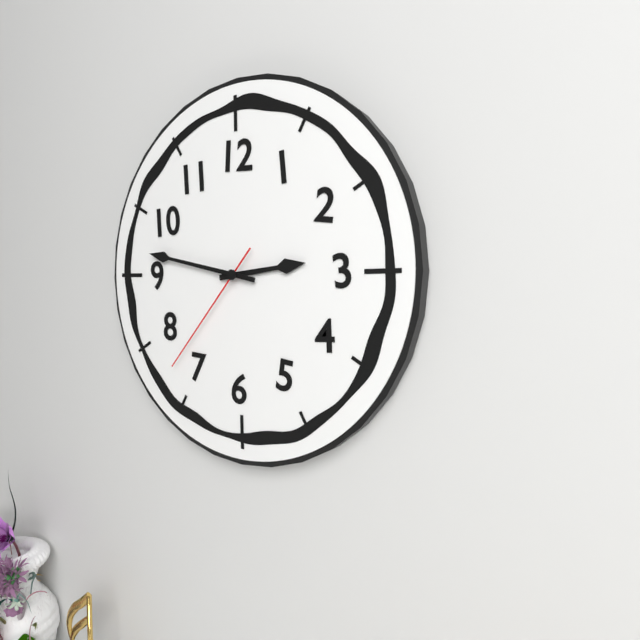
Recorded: 2 h 47 min 37 s
